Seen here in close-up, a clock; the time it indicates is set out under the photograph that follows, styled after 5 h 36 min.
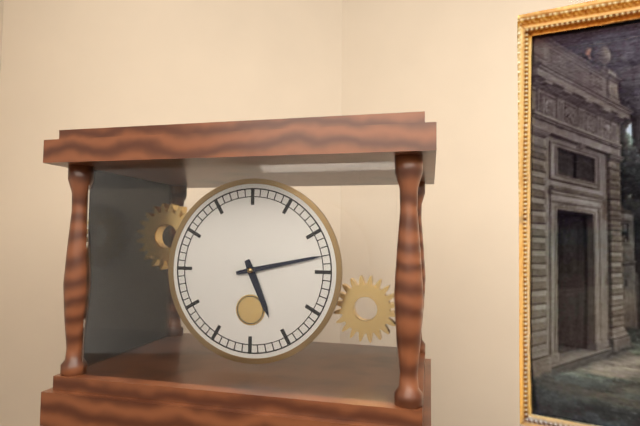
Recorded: 5 h 13 min
